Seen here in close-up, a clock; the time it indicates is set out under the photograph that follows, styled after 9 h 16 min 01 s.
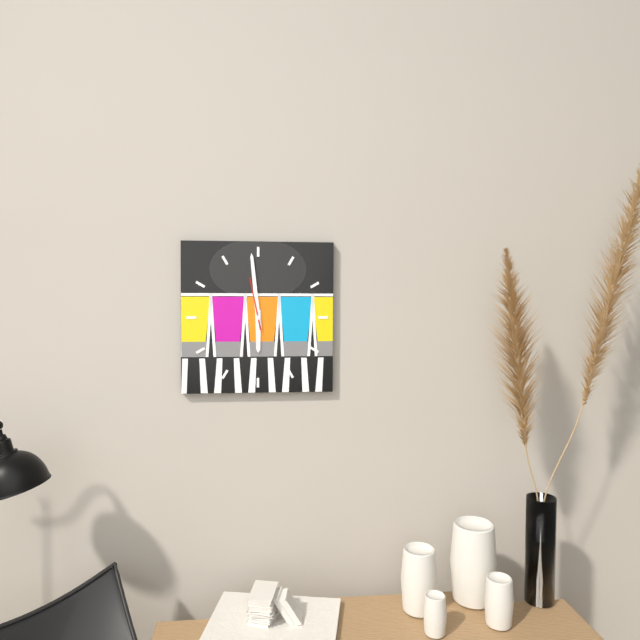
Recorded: 5 h 59 min 58 s
